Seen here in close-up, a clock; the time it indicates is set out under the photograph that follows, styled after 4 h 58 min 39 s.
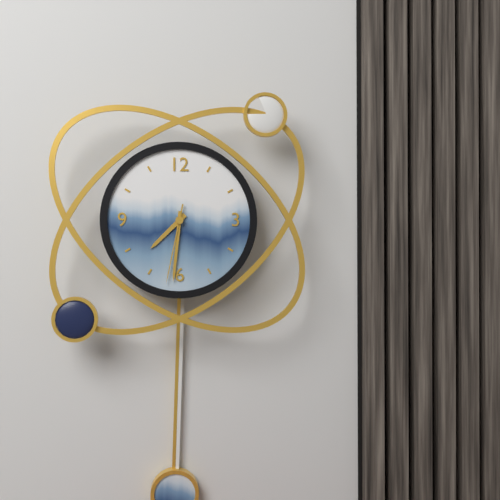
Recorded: 7 h 31 min 32 s
